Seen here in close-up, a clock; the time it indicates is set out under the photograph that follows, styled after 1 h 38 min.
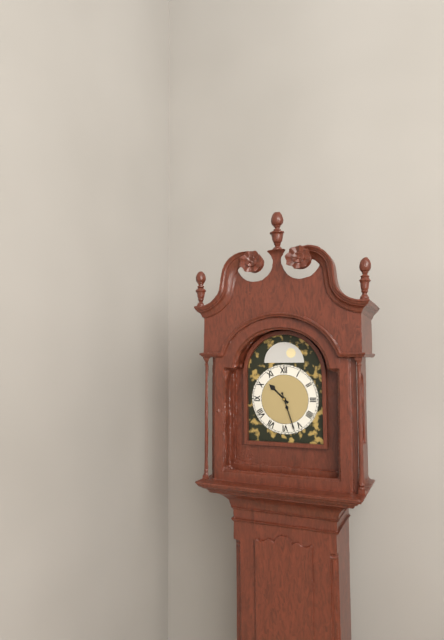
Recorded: 10 h 27 min
